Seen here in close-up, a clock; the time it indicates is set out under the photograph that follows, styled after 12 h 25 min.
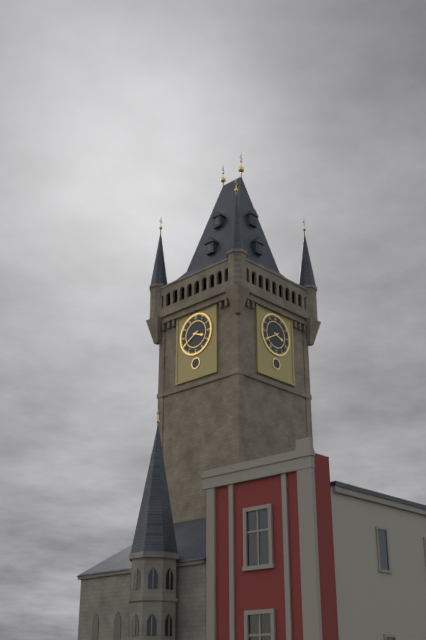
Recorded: 3 h 40 min
